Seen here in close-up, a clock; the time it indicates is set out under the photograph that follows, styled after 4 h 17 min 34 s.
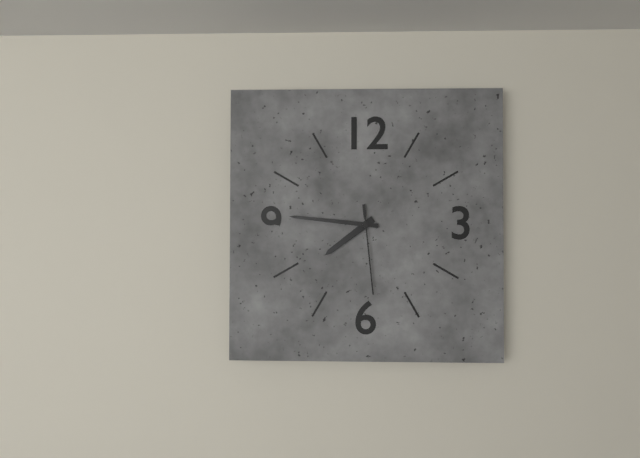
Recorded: 7 h 46 min 29 s
